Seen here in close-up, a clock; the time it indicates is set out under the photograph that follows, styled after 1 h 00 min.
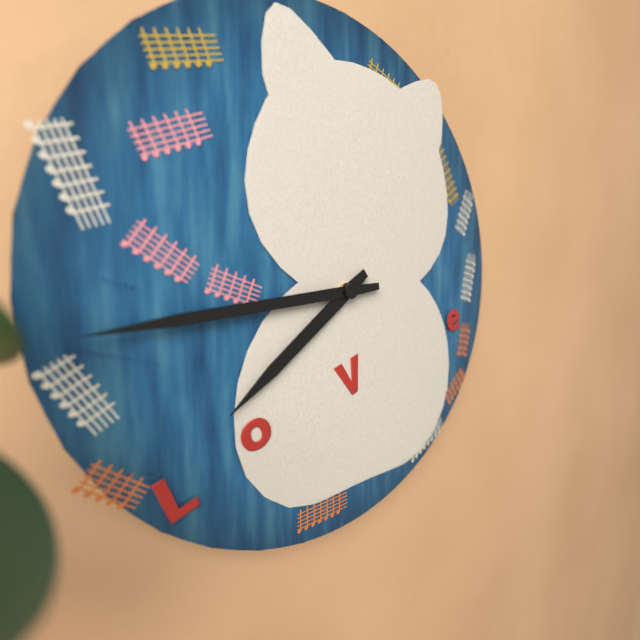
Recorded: 7 h 44 min
